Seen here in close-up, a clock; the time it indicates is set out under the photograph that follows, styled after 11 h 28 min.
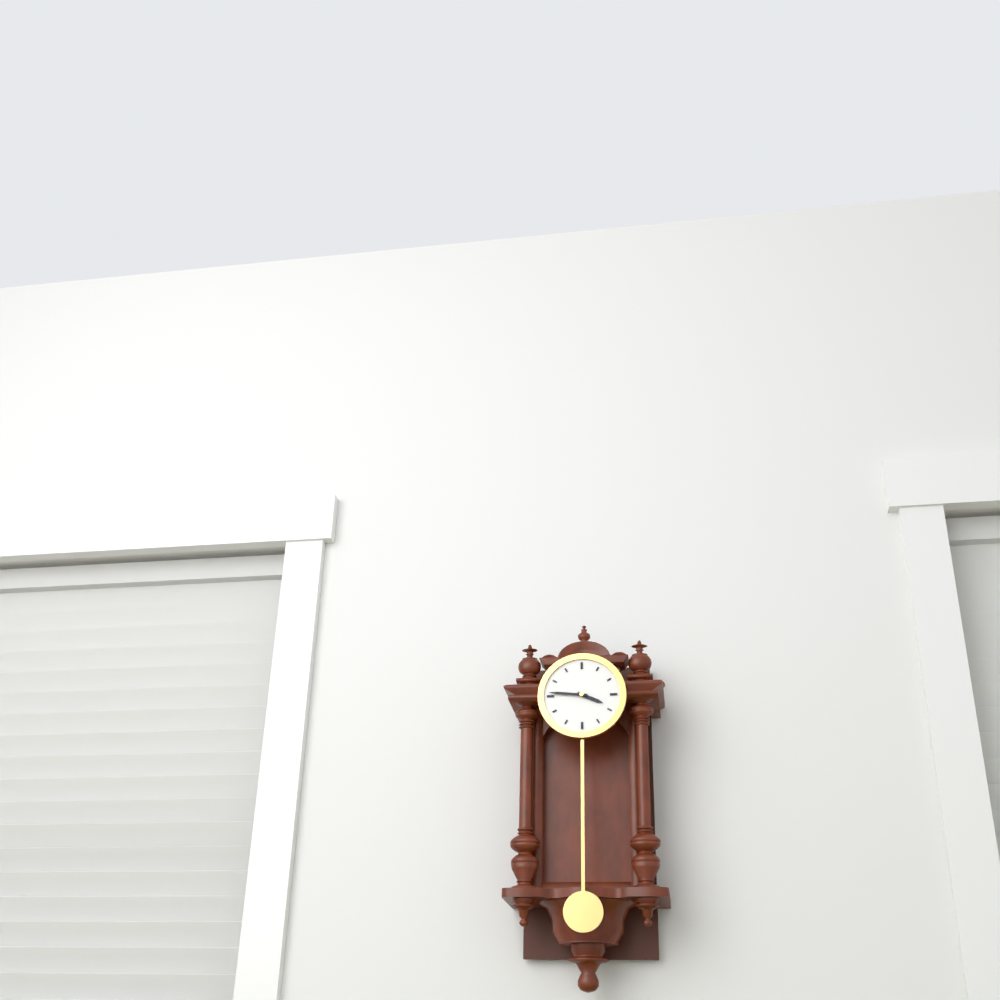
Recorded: 3 h 46 min
